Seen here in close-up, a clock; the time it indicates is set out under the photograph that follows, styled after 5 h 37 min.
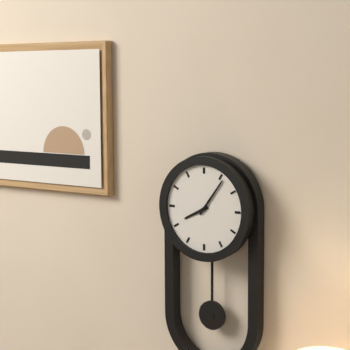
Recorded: 8 h 06 min
